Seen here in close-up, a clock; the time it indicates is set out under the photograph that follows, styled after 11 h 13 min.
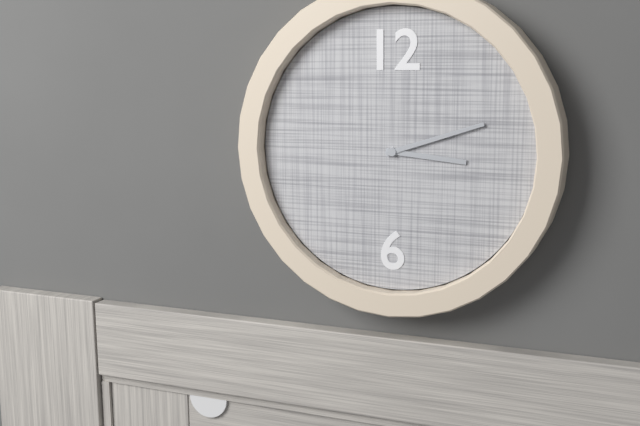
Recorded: 3 h 12 min
